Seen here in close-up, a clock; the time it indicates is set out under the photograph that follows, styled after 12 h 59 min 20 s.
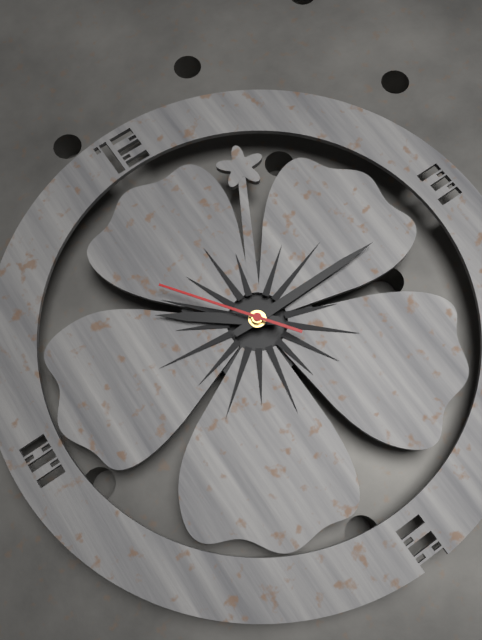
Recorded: 10 h 15 min 54 s
